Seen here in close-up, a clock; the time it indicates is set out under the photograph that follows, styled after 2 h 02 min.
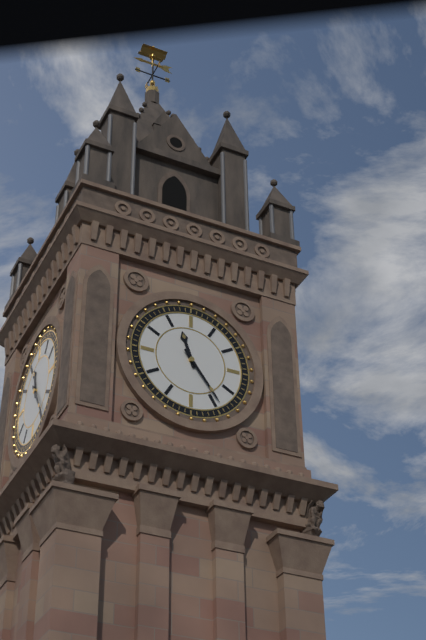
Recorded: 11 h 24 min
